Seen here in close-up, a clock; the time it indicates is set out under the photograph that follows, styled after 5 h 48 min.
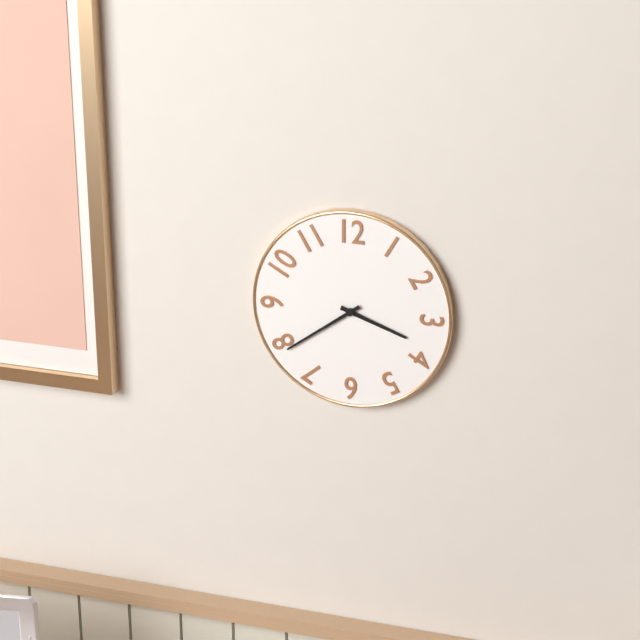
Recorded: 3 h 39 min
